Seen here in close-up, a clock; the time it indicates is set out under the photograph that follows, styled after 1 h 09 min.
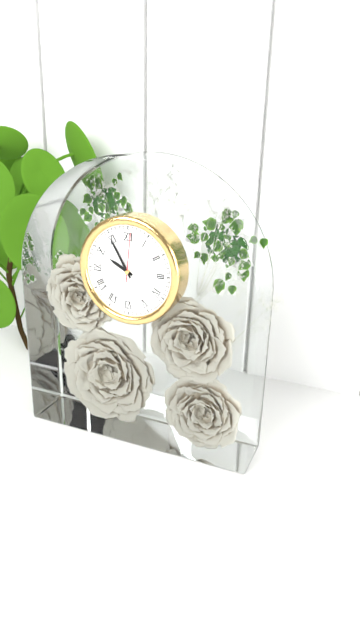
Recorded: 9 h 55 min
